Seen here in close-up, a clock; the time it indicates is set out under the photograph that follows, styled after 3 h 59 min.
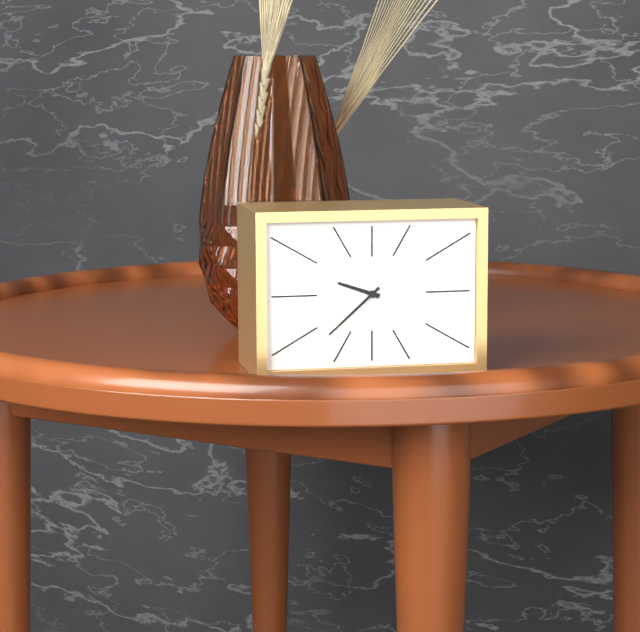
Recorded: 9 h 38 min
